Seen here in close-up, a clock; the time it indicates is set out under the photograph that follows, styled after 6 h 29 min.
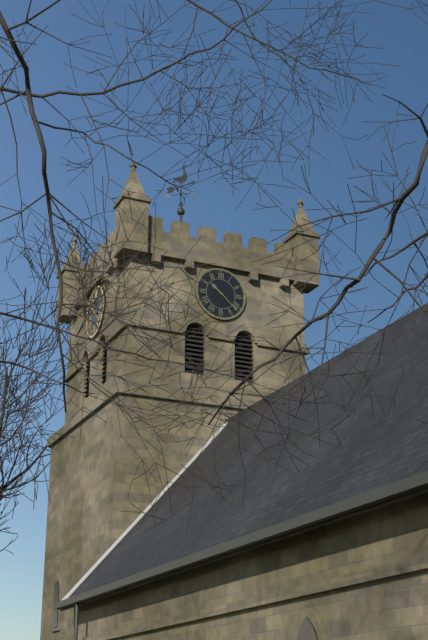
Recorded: 10 h 22 min
